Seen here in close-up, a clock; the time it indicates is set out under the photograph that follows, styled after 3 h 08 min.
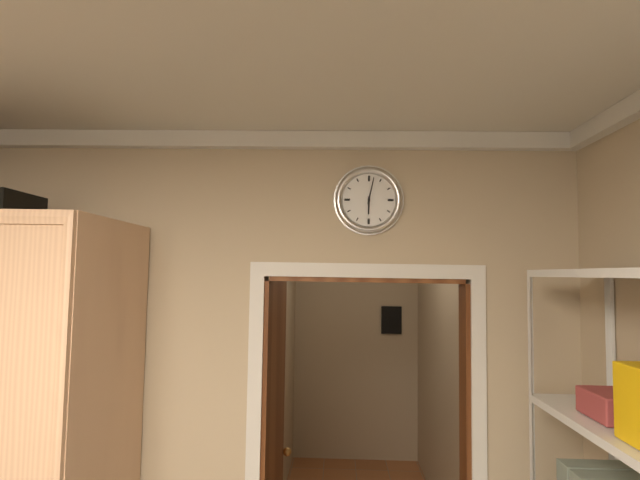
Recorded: 6 h 02 min
